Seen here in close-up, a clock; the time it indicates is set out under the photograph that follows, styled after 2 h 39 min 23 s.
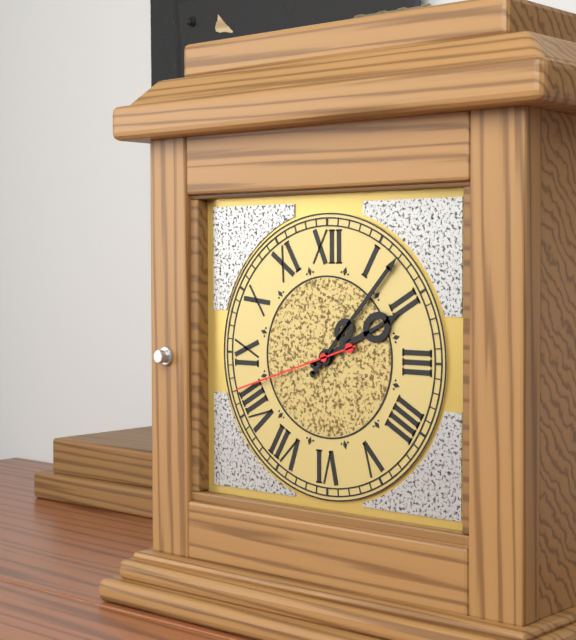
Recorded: 2 h 07 min 42 s
